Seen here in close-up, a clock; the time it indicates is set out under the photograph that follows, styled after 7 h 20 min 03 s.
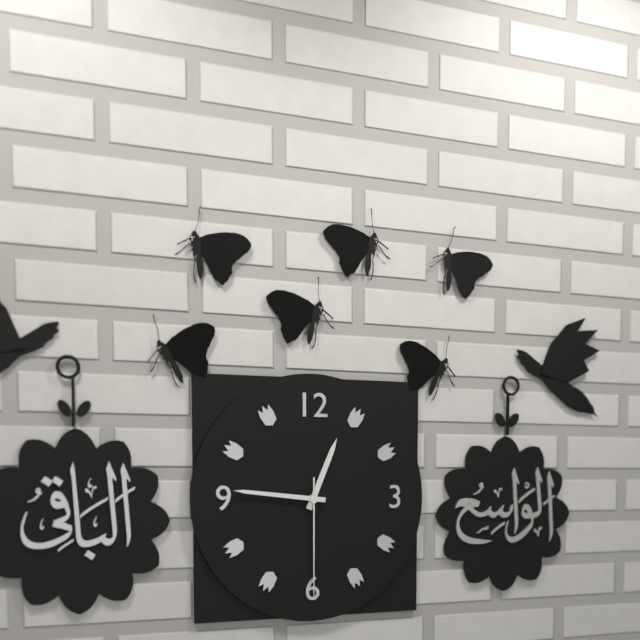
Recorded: 12 h 46 min 30 s
